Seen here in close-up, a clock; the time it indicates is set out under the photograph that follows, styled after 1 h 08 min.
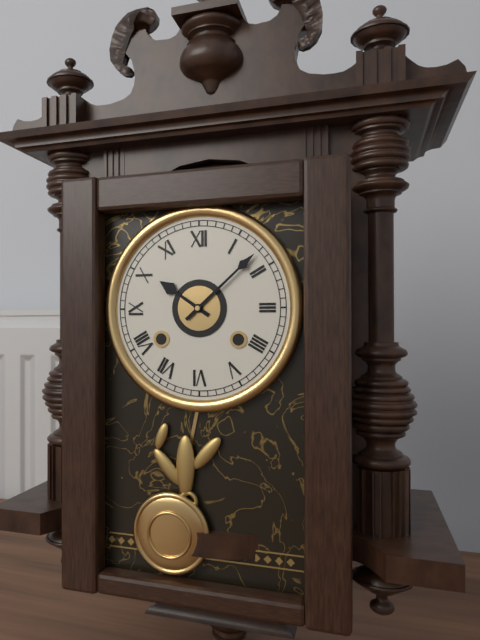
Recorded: 10 h 08 min
